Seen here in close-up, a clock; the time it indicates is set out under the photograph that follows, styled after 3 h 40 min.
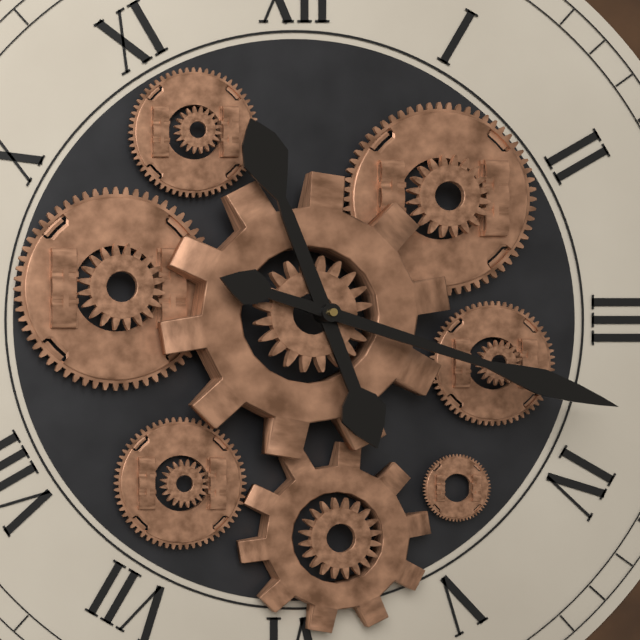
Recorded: 11 h 18 min
